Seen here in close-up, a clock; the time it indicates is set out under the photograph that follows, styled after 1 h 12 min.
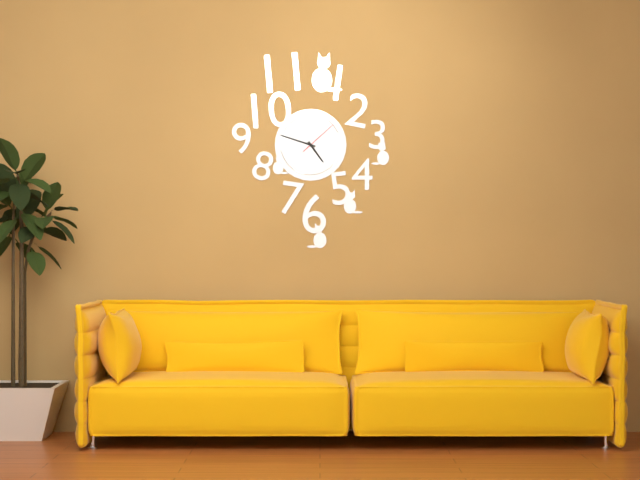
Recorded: 4 h 48 min
